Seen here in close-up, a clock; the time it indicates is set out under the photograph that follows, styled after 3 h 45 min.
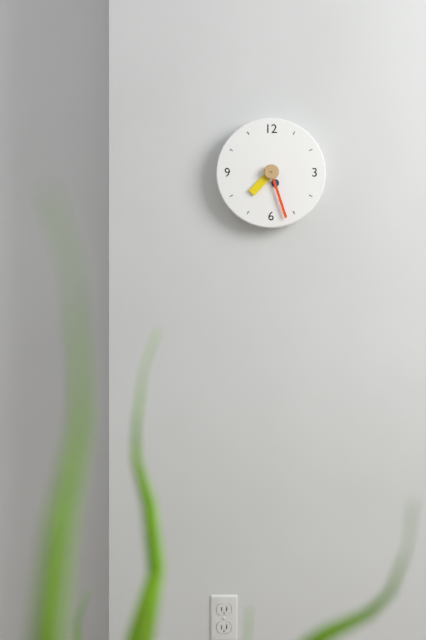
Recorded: 7 h 27 min
